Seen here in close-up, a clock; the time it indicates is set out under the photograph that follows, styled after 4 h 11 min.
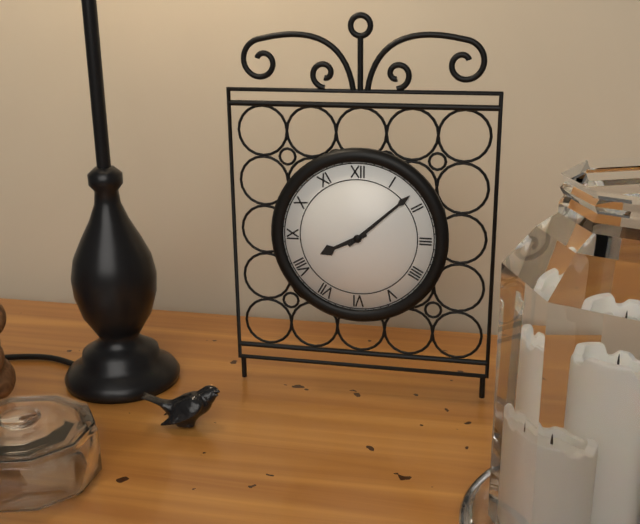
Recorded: 8 h 08 min
